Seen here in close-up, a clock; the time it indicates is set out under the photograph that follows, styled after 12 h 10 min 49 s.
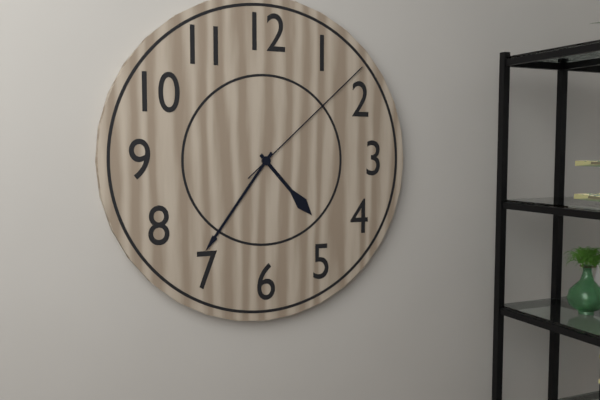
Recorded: 4 h 36 min 08 s
